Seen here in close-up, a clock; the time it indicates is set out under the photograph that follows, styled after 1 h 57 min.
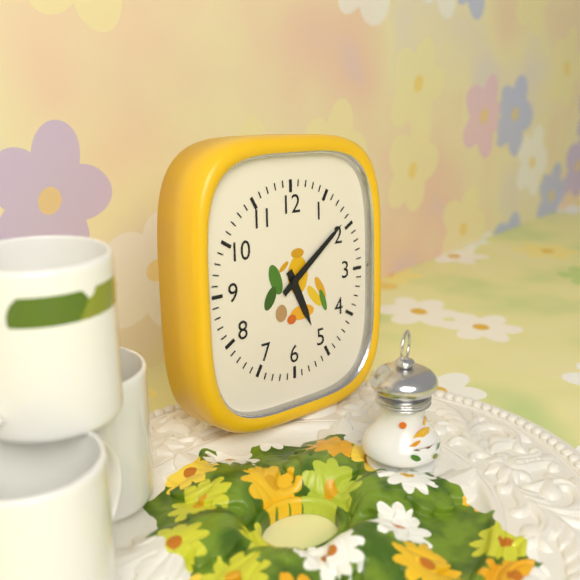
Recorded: 5 h 09 min
